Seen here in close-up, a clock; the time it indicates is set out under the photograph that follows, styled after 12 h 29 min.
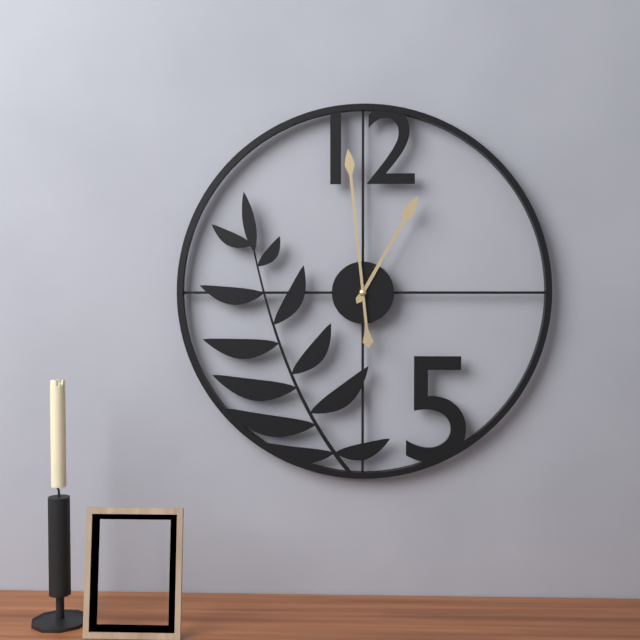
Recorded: 12 h 59 min
